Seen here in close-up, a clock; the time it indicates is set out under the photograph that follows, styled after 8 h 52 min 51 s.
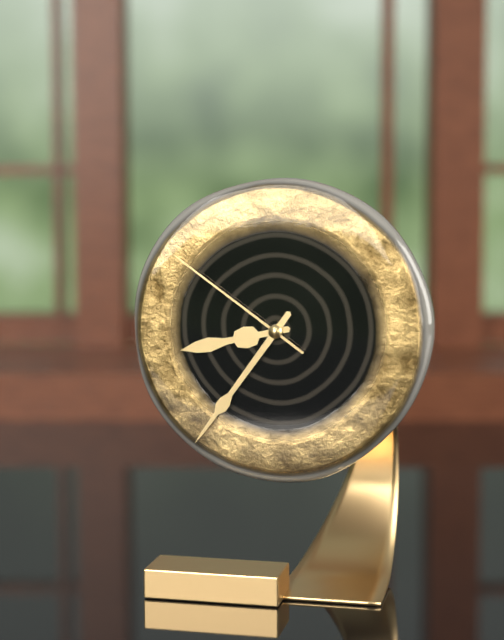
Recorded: 8 h 36 min 51 s
